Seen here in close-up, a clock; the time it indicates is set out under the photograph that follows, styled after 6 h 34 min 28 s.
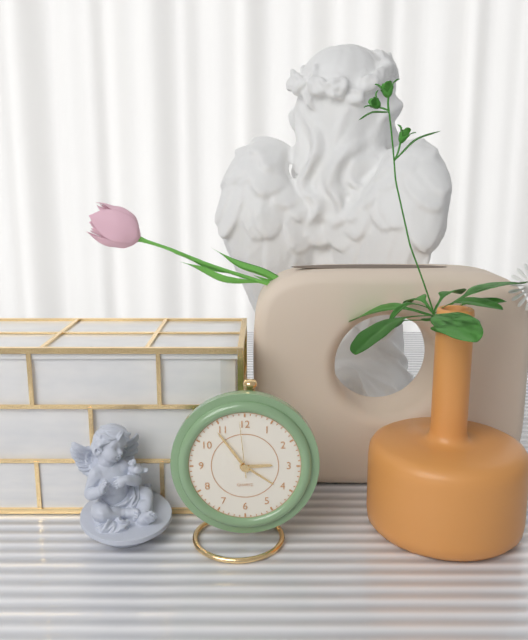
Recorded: 2 h 54 min 59 s
